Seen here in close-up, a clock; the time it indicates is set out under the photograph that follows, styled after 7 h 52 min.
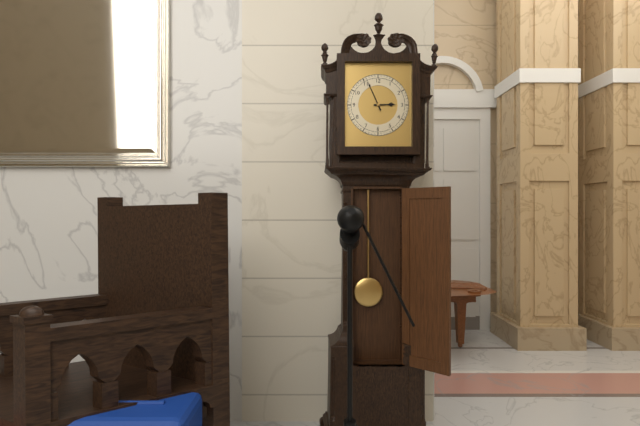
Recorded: 2 h 56 min
